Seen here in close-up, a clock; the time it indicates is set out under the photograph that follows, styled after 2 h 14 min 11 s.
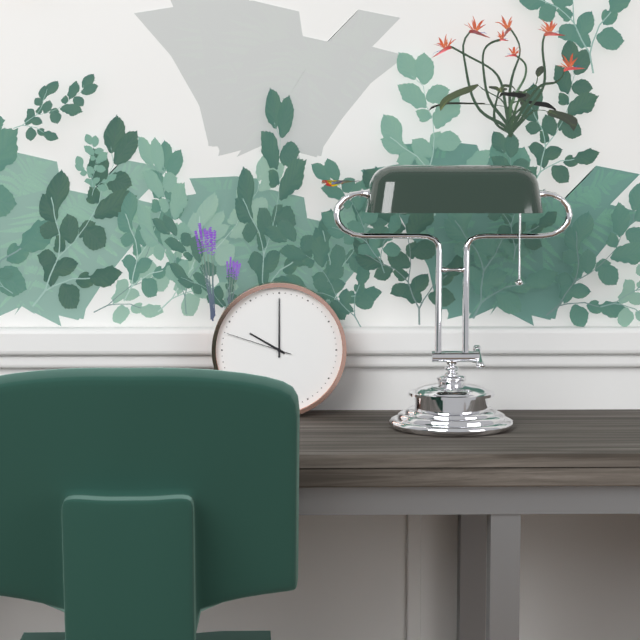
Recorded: 10 h 00 min 48 s
